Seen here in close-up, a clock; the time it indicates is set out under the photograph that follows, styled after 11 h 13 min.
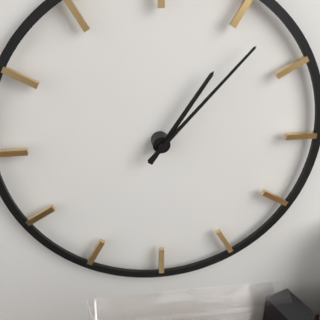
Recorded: 1 h 07 min
